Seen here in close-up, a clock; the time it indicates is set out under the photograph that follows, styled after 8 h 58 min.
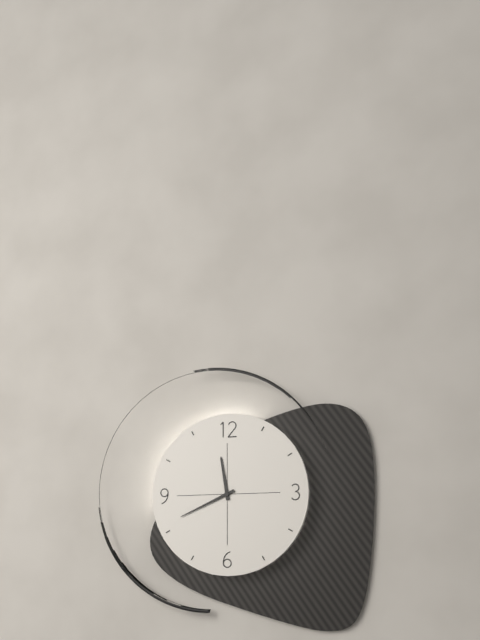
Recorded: 11 h 41 min
